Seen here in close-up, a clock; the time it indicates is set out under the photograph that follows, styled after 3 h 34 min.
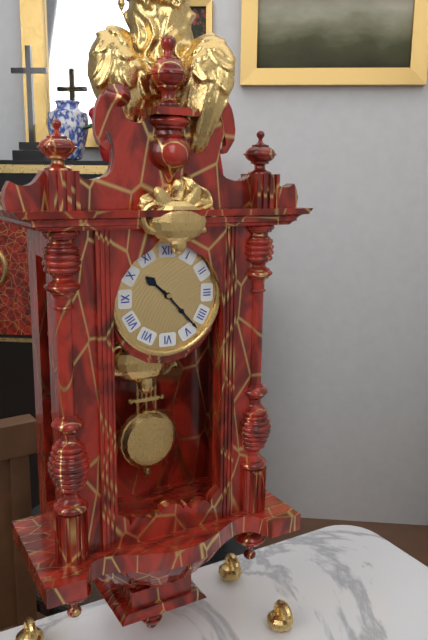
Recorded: 10 h 23 min
